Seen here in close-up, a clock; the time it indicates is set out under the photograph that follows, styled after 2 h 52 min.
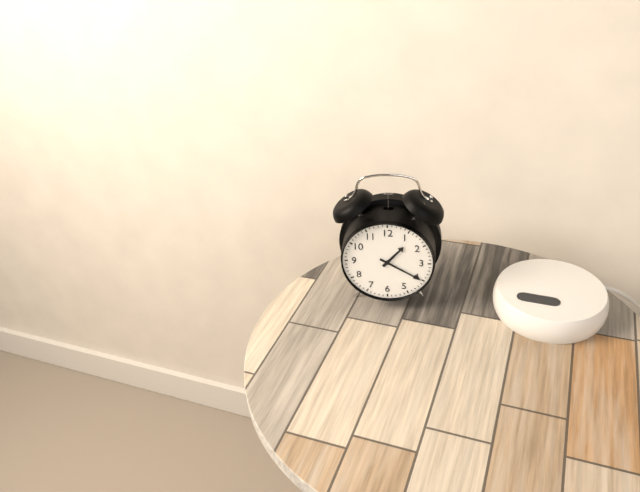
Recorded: 1 h 20 min
